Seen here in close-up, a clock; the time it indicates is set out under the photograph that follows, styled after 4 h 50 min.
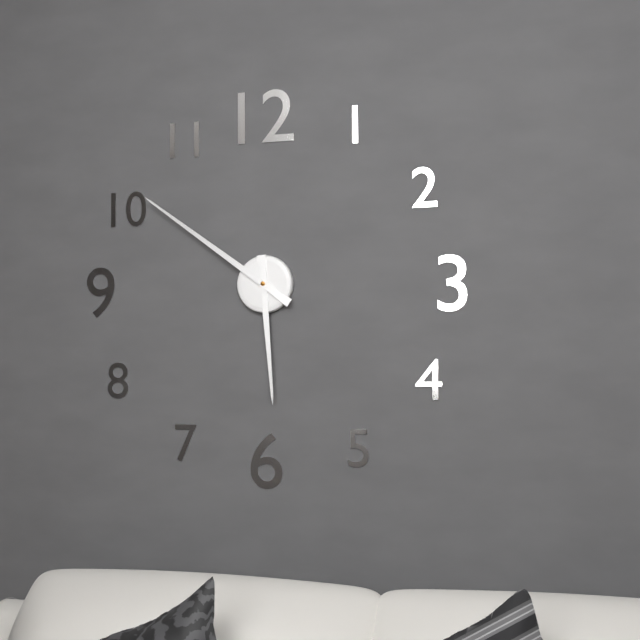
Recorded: 5 h 51 min
